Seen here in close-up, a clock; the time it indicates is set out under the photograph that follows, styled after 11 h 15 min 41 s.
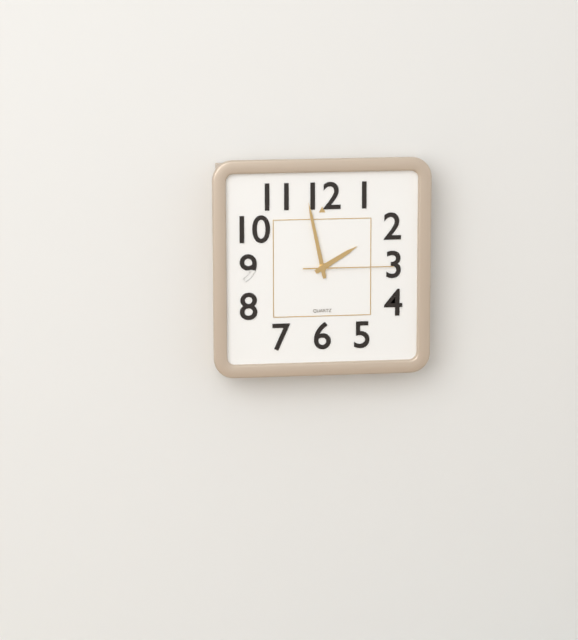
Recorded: 1 h 58 min 15 s
